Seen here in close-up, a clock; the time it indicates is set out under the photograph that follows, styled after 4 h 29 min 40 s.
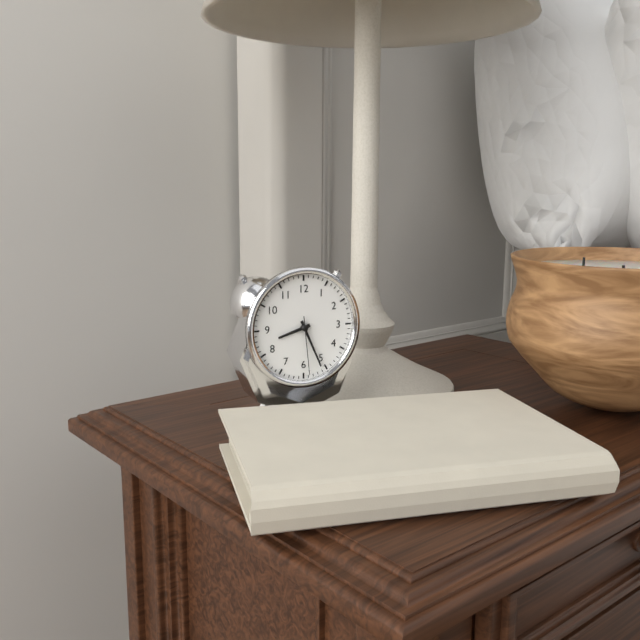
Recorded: 8 h 26 min 29 s
